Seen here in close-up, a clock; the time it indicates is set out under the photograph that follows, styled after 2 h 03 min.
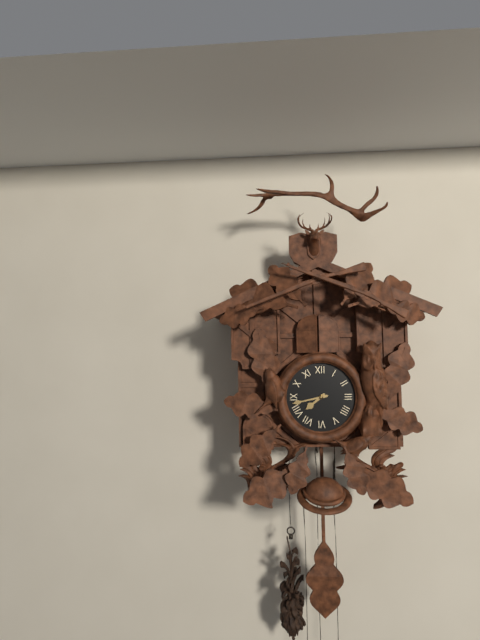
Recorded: 7 h 43 min
